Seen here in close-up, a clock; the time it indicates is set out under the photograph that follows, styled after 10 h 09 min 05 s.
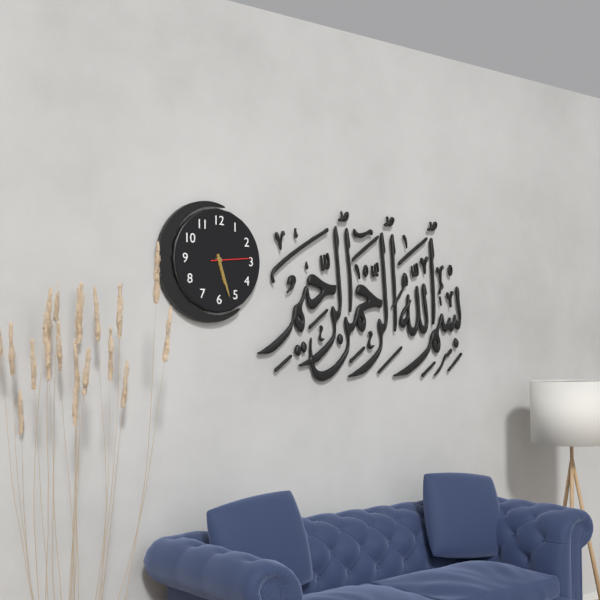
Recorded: 5 h 27 min 14 s
